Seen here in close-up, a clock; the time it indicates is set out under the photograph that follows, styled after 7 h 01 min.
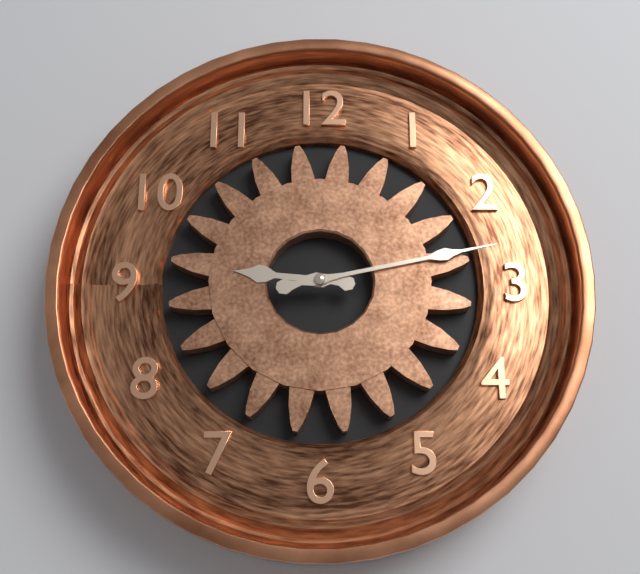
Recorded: 9 h 13 min
